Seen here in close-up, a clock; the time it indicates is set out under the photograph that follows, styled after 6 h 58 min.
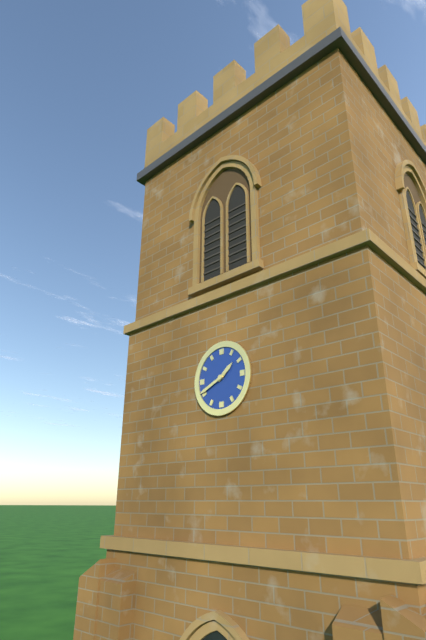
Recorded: 1 h 41 min
